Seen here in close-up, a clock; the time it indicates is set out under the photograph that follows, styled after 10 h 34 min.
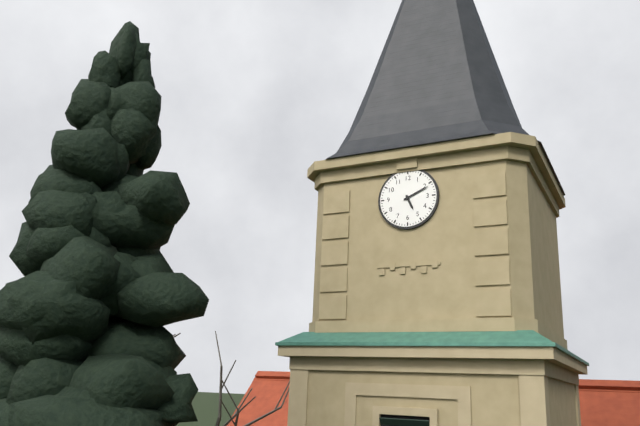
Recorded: 5 h 11 min
